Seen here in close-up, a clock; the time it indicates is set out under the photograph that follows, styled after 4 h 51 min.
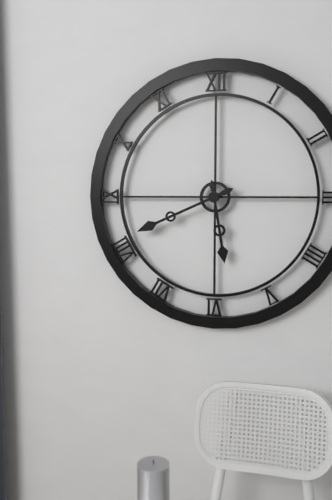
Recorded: 5 h 41 min
